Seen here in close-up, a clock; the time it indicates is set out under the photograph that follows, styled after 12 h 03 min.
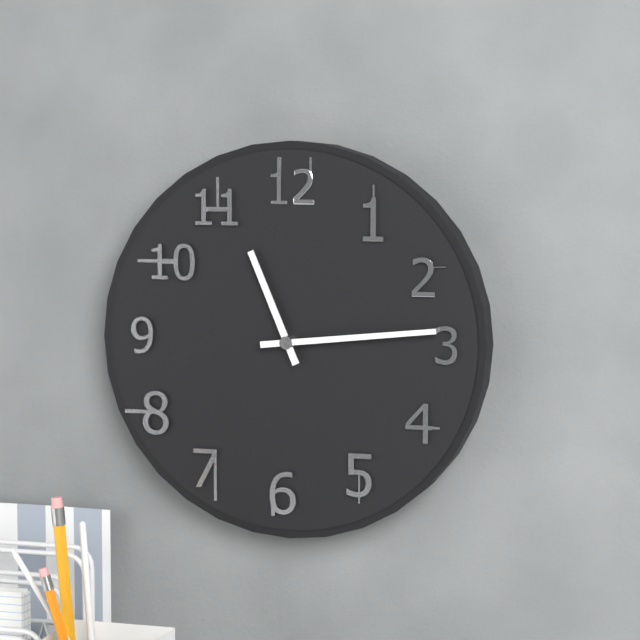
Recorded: 11 h 14 min
